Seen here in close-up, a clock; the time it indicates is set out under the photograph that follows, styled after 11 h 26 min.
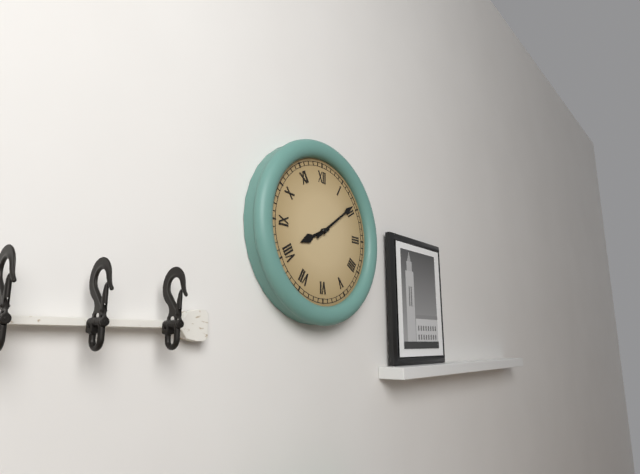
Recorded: 8 h 09 min
